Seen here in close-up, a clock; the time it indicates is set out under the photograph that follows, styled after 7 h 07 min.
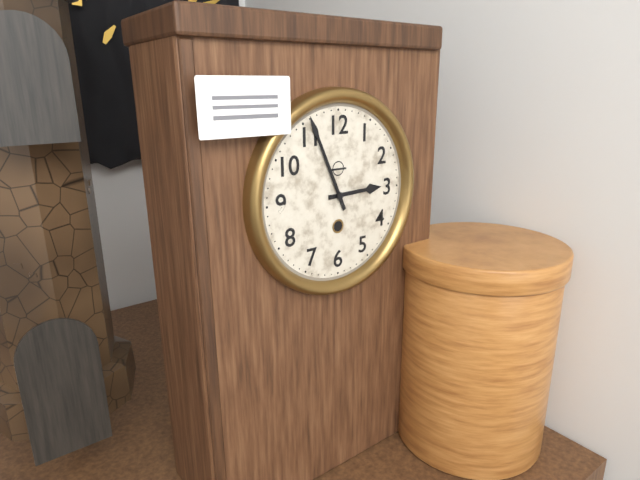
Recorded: 2 h 56 min
